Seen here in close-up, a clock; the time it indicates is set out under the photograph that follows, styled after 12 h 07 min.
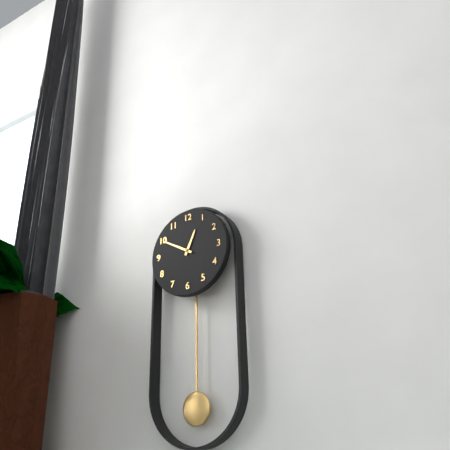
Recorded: 12 h 50 min
